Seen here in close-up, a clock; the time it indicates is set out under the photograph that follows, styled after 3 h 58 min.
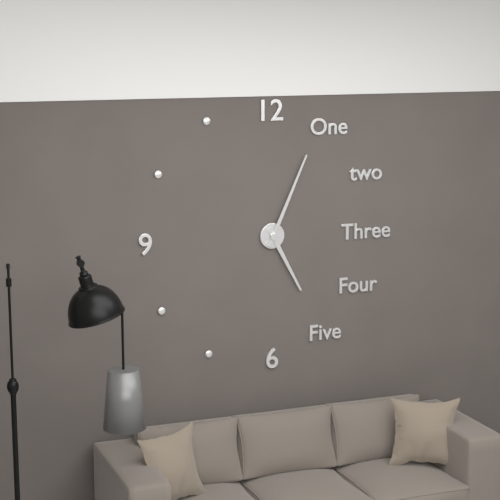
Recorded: 5 h 04 min
